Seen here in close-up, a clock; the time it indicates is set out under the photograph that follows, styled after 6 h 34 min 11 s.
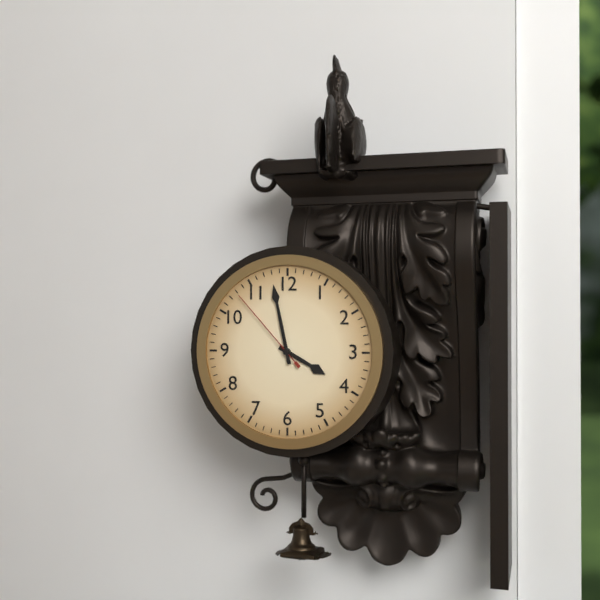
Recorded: 3 h 58 min 53 s
